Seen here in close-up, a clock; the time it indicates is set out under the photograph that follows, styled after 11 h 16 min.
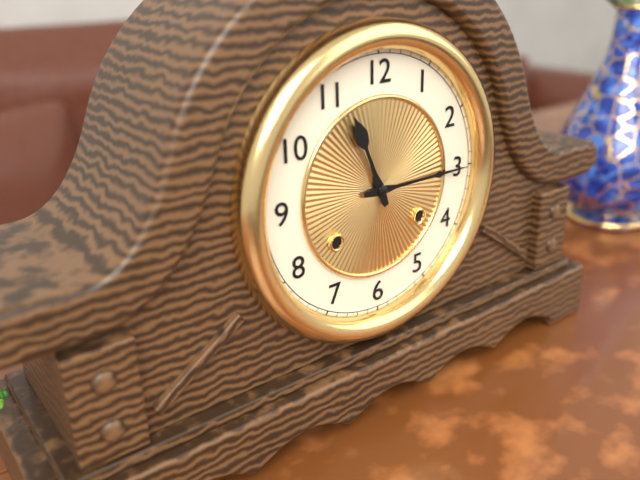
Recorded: 11 h 15 min
